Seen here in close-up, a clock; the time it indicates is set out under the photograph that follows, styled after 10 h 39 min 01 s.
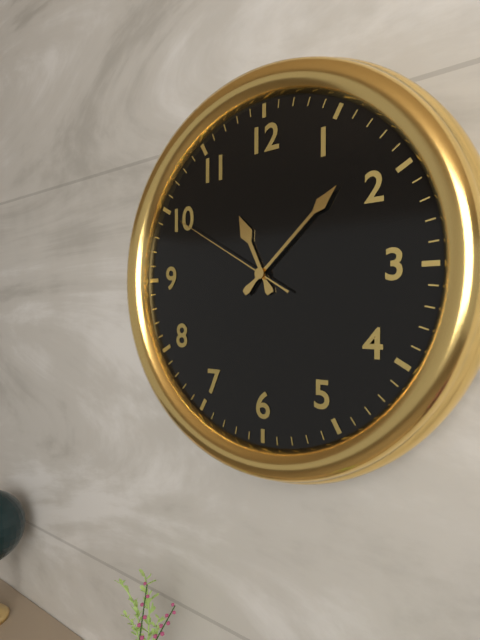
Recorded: 11 h 08 min 50 s
